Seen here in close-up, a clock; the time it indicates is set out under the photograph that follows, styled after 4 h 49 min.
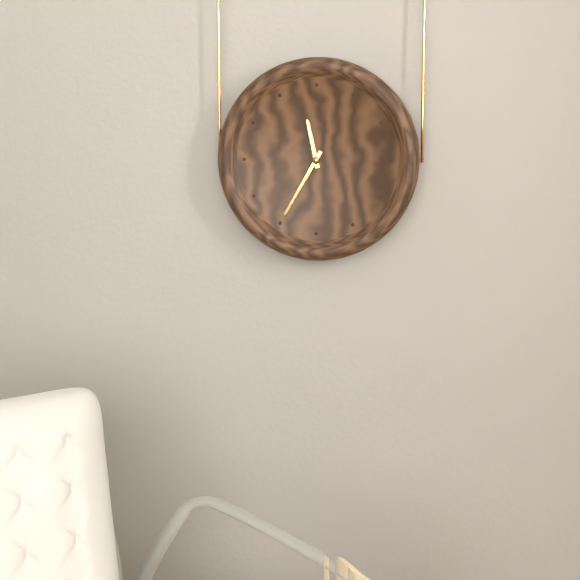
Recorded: 11 h 35 min
